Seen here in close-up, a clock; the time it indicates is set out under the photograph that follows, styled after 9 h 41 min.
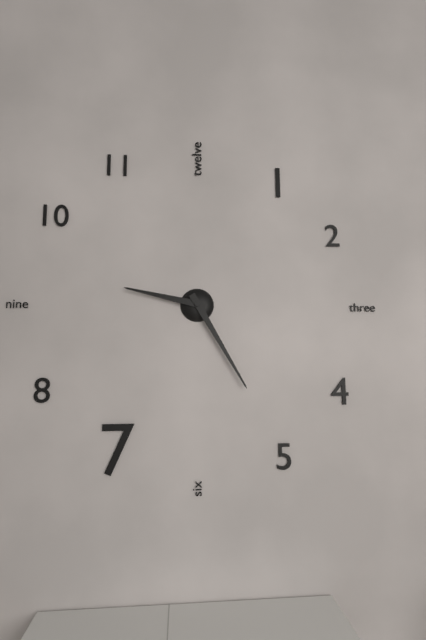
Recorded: 9 h 25 min
